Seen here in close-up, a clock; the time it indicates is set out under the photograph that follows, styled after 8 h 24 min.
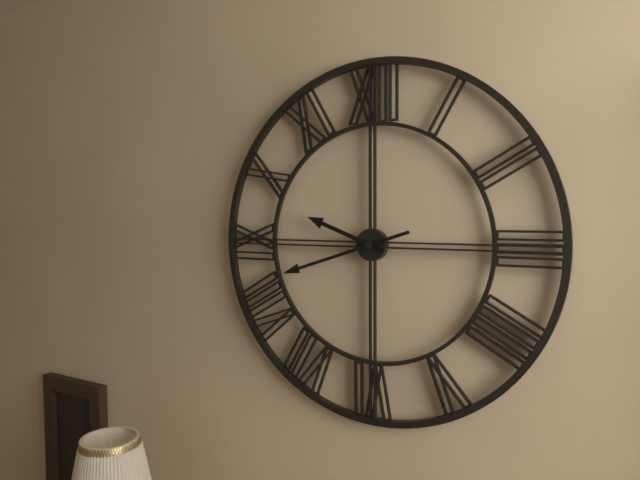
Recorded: 9 h 42 min
